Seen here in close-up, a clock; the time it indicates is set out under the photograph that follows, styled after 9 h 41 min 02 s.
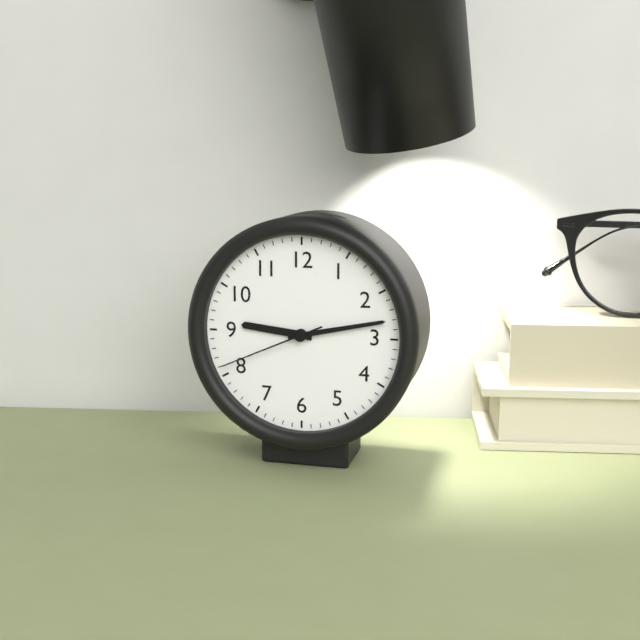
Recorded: 9 h 13 min 41 s
